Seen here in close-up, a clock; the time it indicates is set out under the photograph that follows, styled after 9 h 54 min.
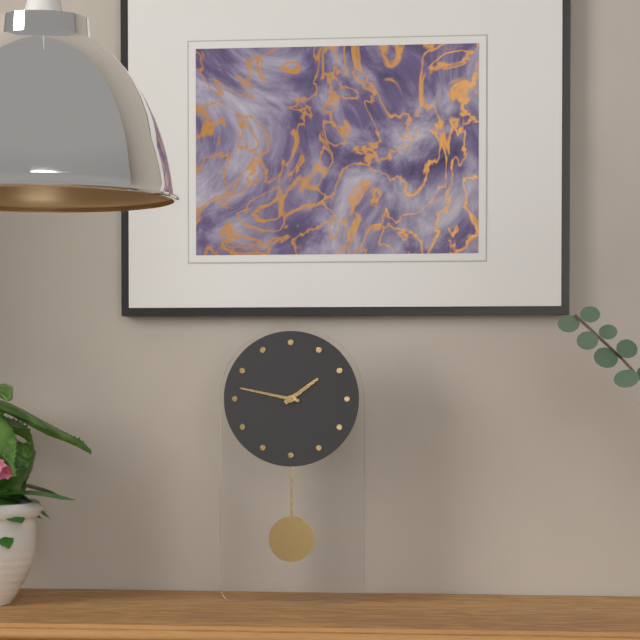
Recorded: 1 h 47 min
